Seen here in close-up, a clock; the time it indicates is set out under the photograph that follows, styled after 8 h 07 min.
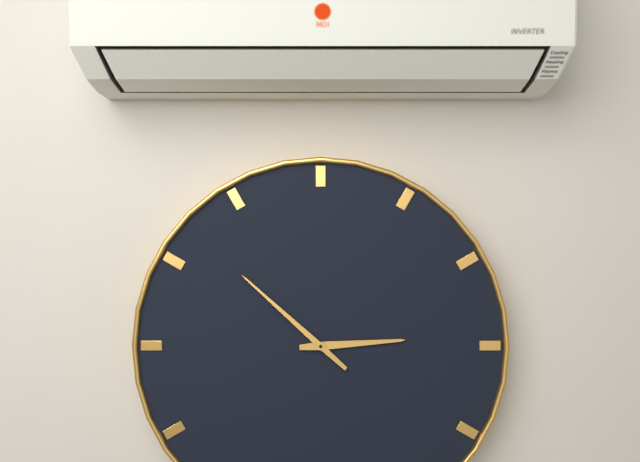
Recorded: 2 h 52 min
